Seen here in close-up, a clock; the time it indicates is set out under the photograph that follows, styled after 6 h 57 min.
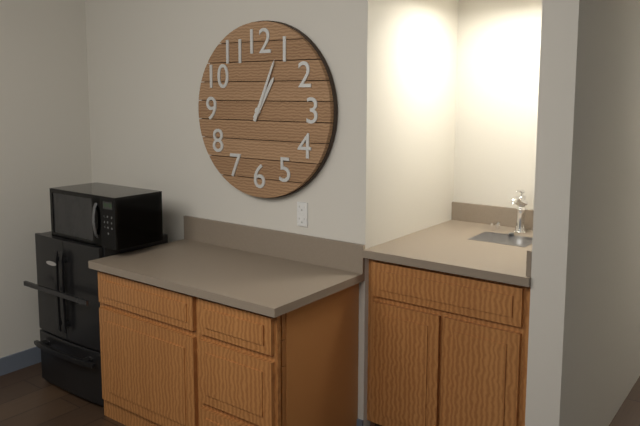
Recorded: 1 h 04 min
